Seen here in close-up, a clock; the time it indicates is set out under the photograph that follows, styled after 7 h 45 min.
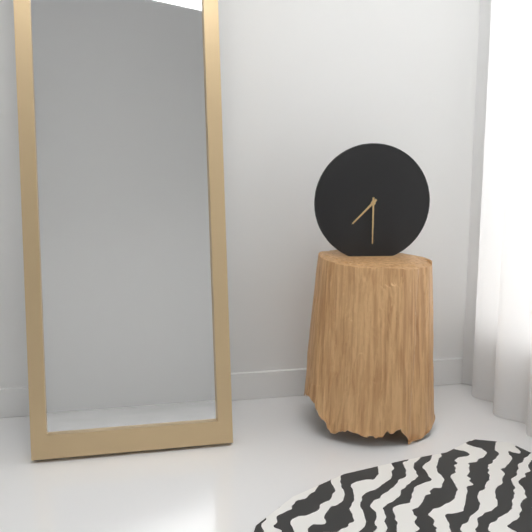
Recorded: 7 h 30 min
